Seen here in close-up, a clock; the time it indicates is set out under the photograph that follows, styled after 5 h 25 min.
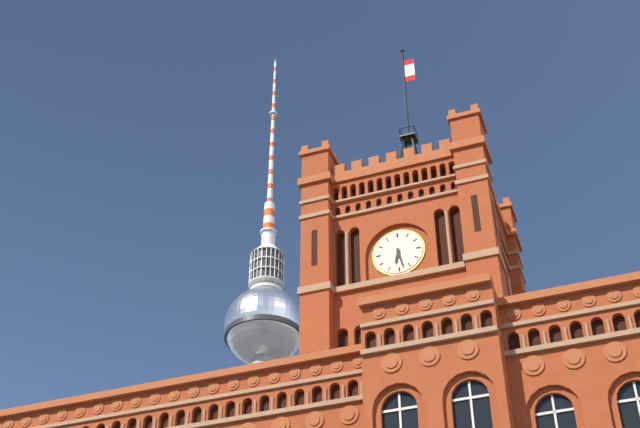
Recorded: 6 h 28 min
